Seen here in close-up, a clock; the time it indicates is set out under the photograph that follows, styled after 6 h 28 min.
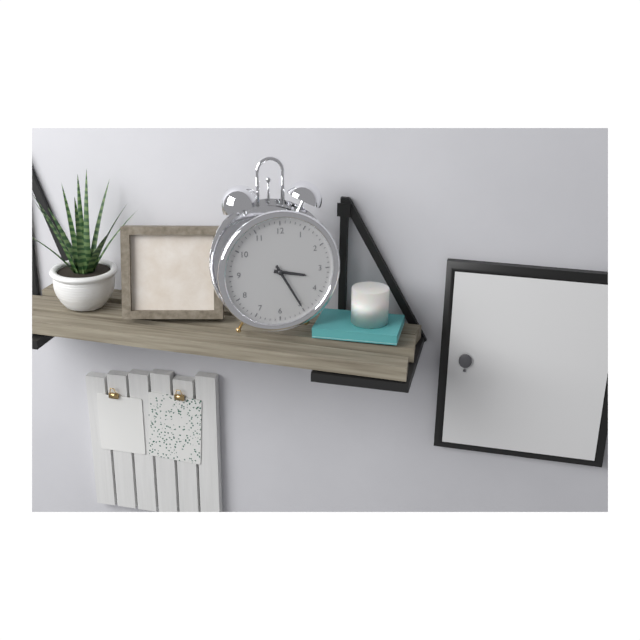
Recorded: 3 h 25 min
